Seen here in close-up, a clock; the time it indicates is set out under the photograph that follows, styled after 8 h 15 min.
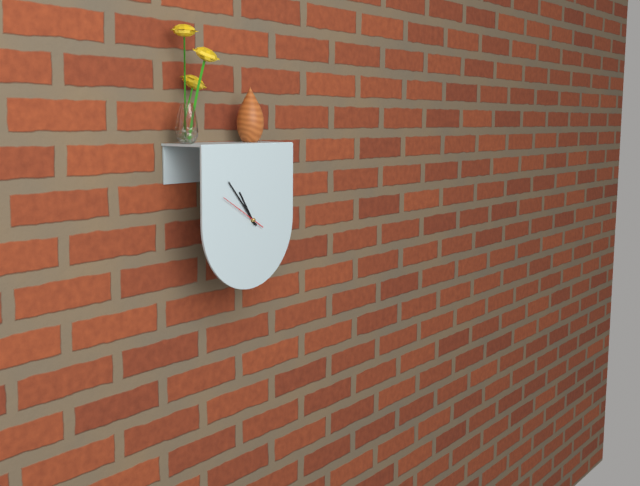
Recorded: 10 h 53 min
